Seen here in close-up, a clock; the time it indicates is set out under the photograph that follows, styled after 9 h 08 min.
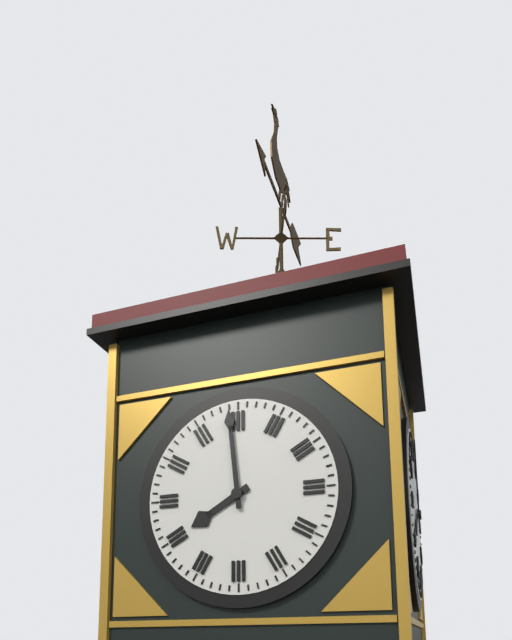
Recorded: 7 h 59 min
